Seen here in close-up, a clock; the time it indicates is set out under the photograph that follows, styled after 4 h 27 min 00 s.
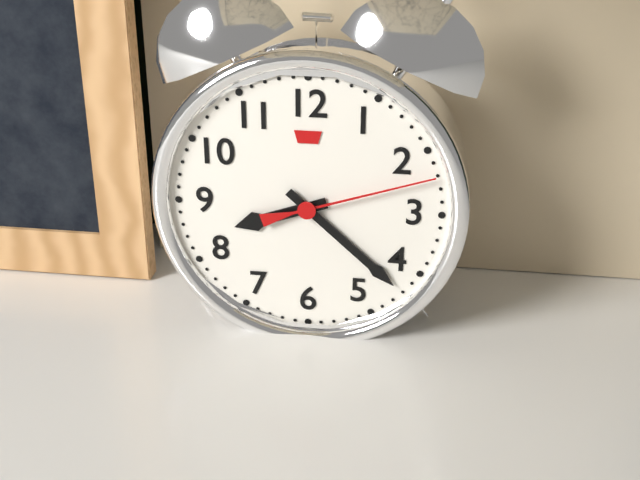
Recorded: 8 h 22 min 12 s
